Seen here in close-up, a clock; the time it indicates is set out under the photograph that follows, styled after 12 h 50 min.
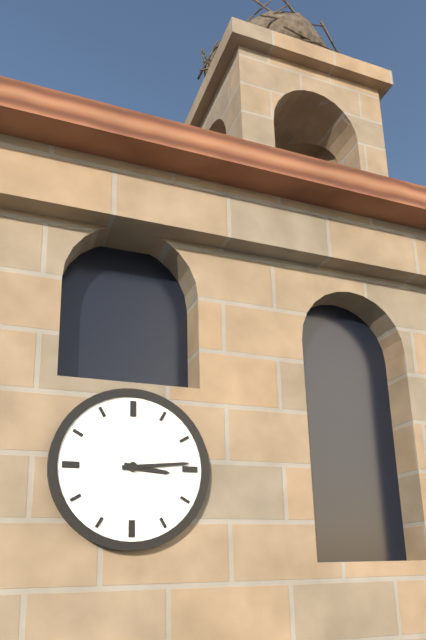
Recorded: 3 h 14 min
